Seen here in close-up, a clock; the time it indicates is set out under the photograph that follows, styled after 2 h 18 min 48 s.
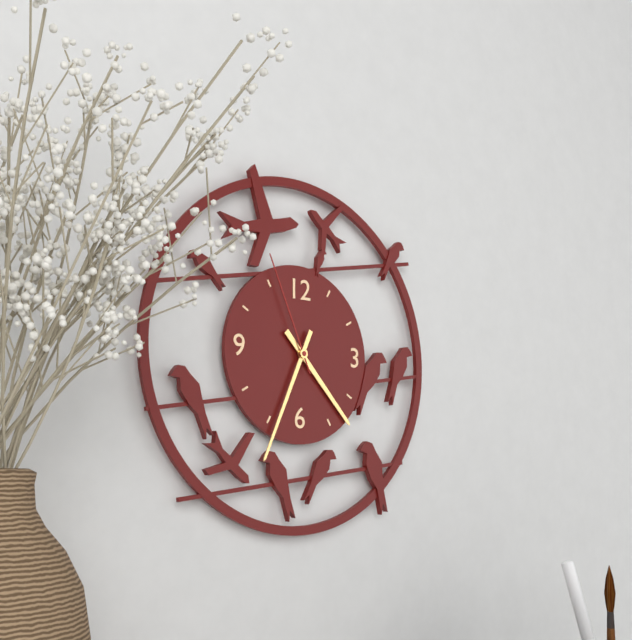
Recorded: 4 h 34 min 56 s
